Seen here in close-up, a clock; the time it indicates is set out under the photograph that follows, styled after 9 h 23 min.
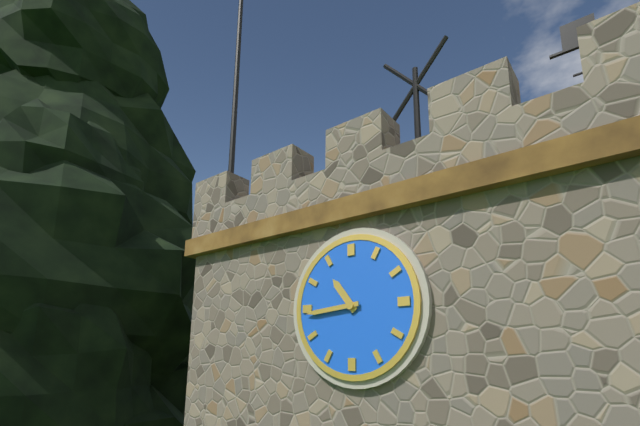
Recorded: 10 h 44 min
